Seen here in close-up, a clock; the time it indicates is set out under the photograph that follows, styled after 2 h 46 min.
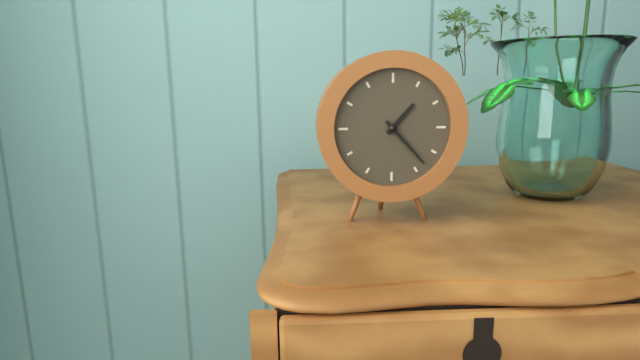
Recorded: 1 h 23 min
